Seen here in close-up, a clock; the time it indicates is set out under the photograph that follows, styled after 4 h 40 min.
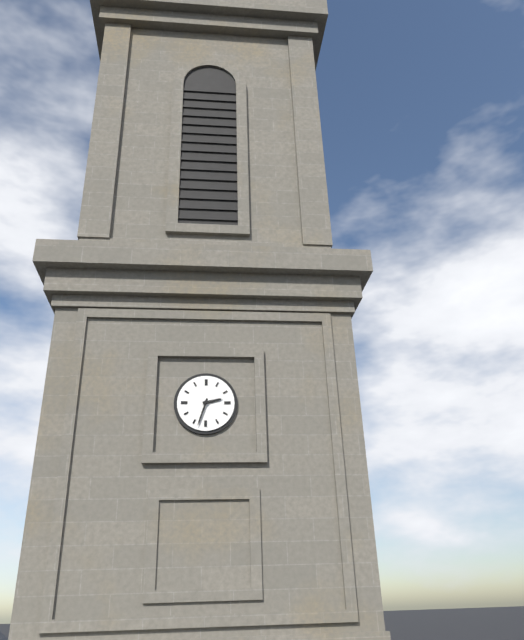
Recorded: 2 h 33 min
